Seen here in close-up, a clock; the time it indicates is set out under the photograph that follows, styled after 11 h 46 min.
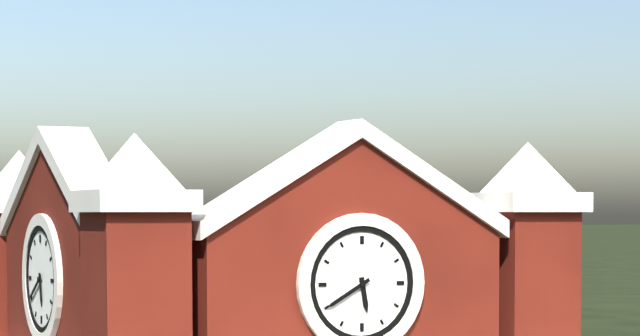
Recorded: 5 h 40 min
